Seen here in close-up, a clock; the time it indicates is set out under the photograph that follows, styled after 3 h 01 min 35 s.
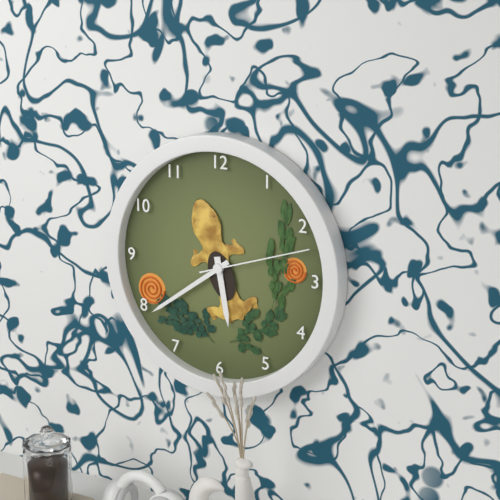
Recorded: 5 h 39 min 12 s
